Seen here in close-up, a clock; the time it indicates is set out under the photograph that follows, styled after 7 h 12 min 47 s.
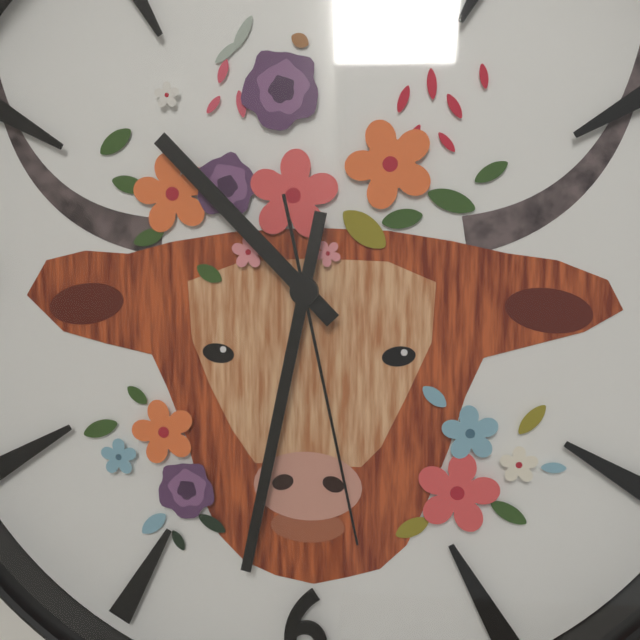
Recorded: 10 h 32 min 28 s
